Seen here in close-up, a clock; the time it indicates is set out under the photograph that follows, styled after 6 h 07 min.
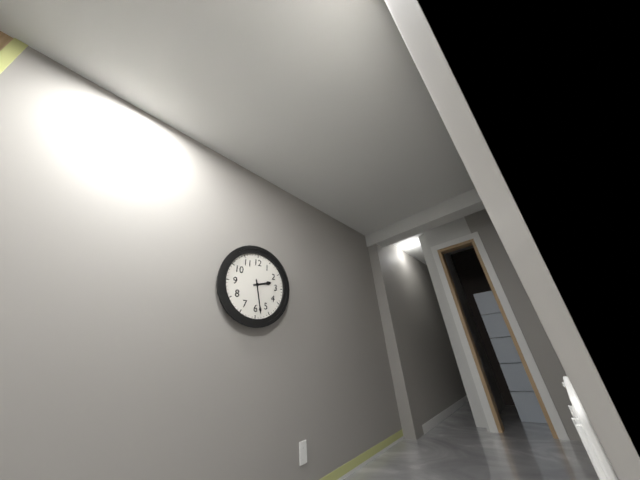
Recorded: 2 h 28 min
